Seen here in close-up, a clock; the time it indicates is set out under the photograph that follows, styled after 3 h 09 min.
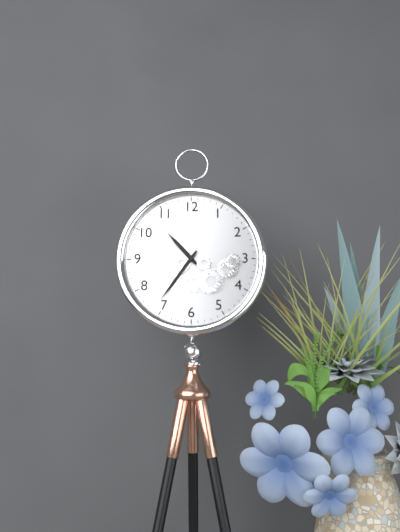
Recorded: 10 h 36 min
